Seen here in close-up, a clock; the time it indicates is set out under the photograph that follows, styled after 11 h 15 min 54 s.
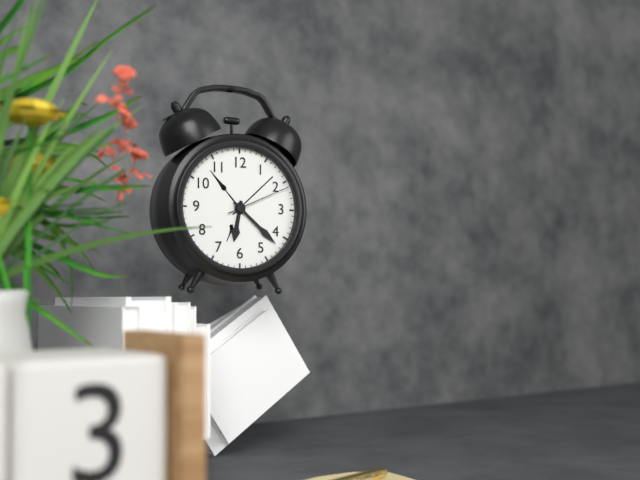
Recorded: 6 h 22 min 11 s
